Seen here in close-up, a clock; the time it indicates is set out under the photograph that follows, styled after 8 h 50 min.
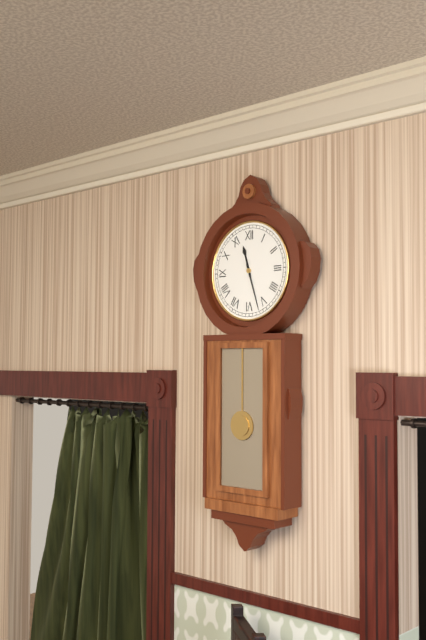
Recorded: 11 h 27 min
